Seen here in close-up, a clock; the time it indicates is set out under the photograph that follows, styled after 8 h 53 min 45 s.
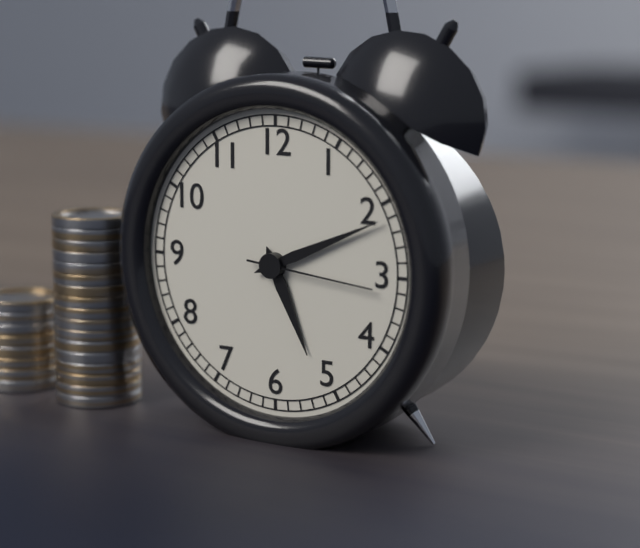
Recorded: 5 h 11 min 16 s
